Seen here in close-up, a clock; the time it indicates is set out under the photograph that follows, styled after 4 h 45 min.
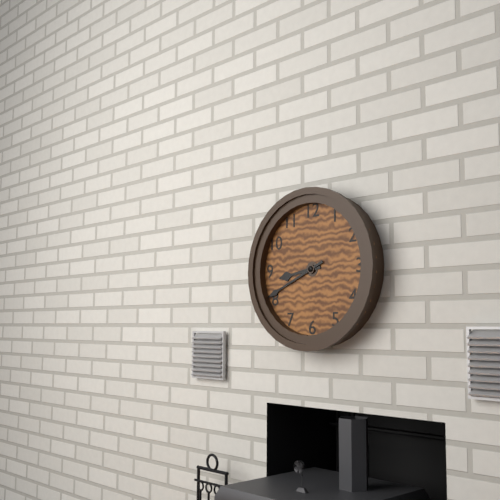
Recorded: 8 h 41 min
